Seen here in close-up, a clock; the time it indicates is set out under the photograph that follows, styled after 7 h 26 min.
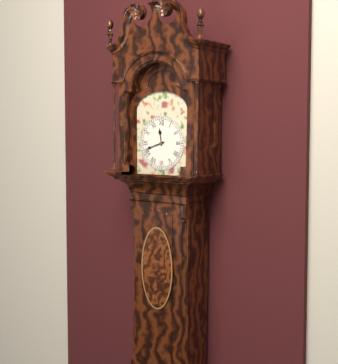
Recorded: 11 h 42 min
